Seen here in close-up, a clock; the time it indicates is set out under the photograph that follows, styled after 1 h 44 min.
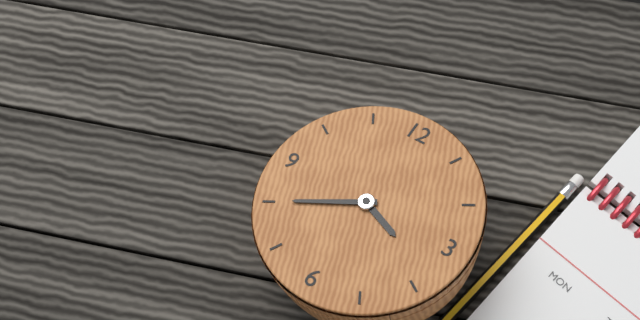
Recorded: 3 h 40 min
